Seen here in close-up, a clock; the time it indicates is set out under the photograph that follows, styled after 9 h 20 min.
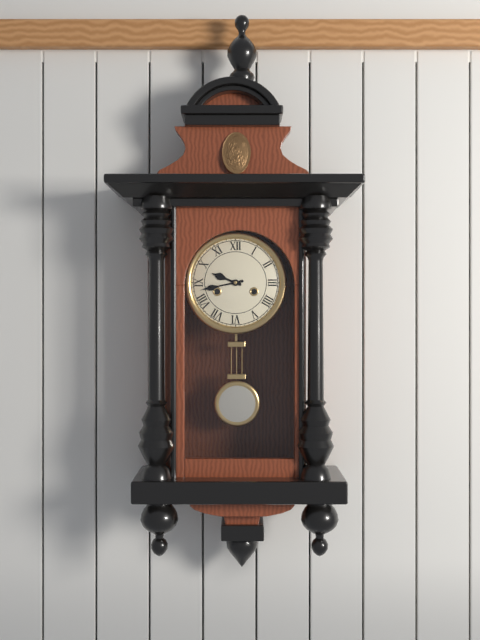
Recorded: 9 h 43 min
